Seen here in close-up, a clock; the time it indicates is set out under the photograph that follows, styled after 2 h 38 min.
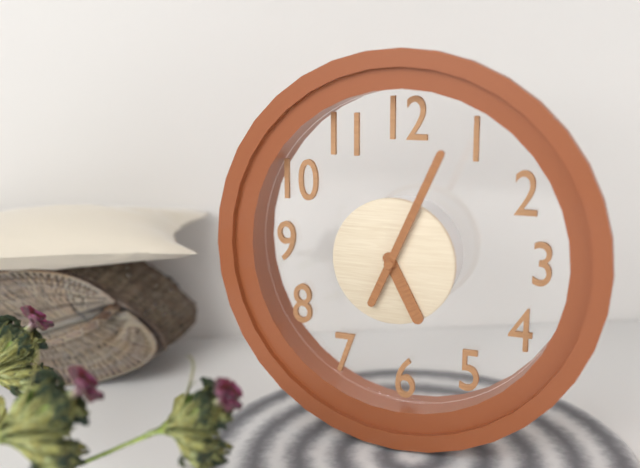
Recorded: 5 h 04 min
